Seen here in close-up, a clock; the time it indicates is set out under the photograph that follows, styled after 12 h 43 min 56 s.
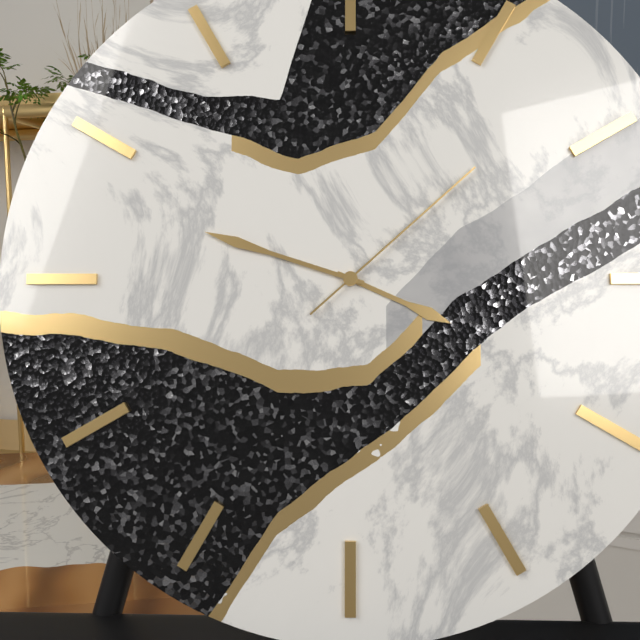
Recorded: 3 h 48 min 08 s
